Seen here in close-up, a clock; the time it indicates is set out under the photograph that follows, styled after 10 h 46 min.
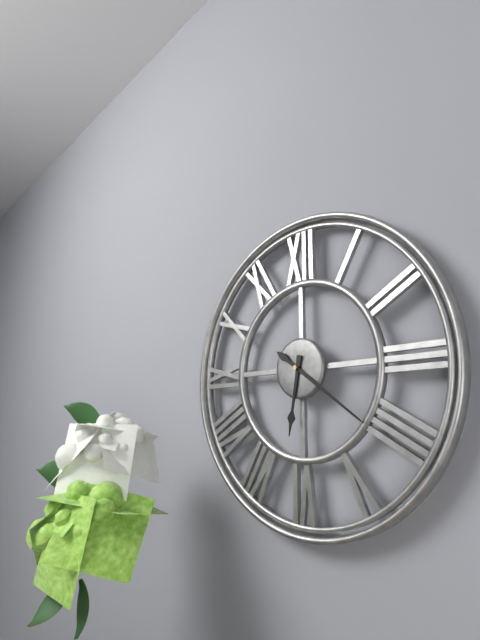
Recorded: 6 h 21 min
